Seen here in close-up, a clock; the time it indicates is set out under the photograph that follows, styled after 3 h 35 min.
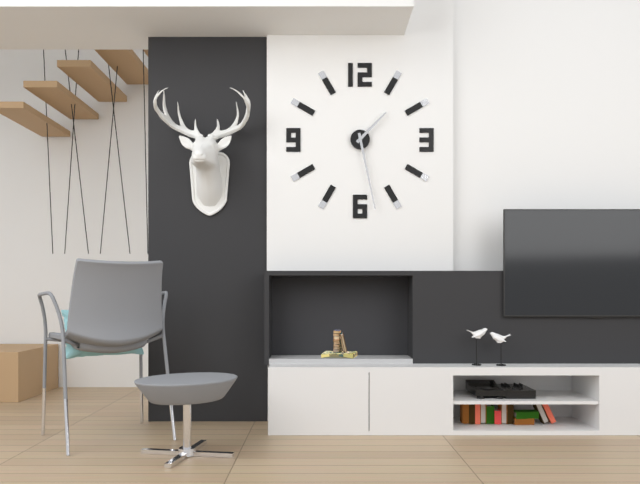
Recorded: 1 h 28 min
